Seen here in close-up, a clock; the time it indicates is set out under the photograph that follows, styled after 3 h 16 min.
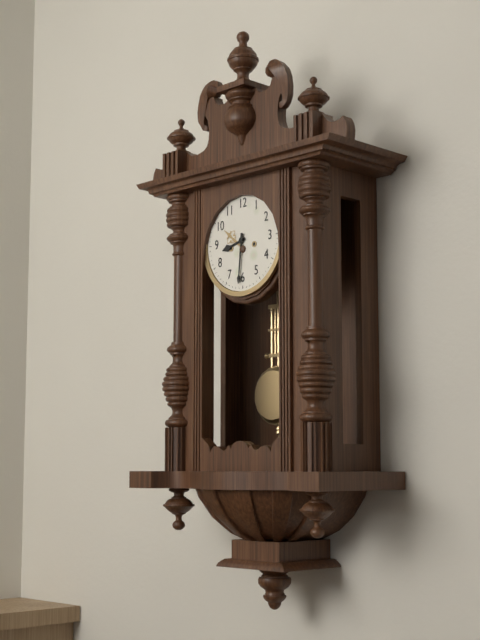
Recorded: 8 h 31 min
